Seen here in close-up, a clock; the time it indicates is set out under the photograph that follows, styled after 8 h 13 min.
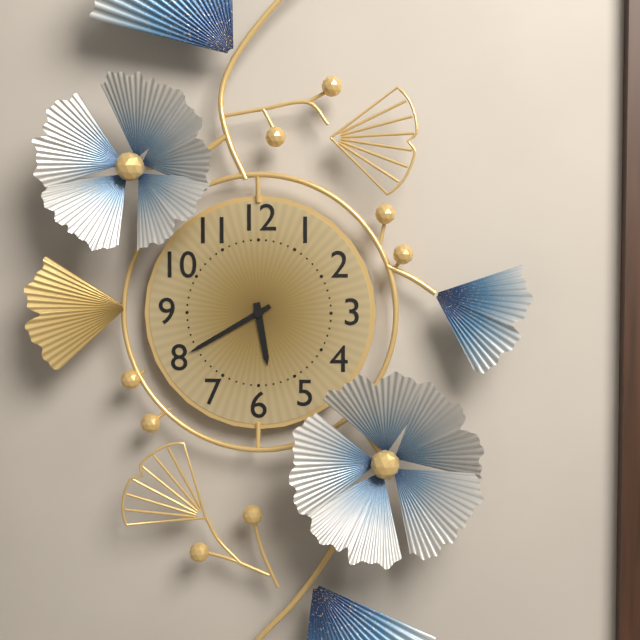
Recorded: 5 h 40 min
